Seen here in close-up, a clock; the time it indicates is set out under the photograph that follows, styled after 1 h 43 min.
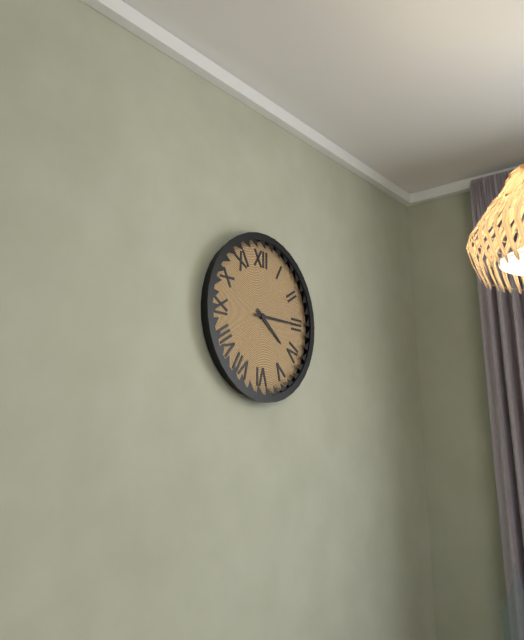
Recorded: 4 h 15 min
